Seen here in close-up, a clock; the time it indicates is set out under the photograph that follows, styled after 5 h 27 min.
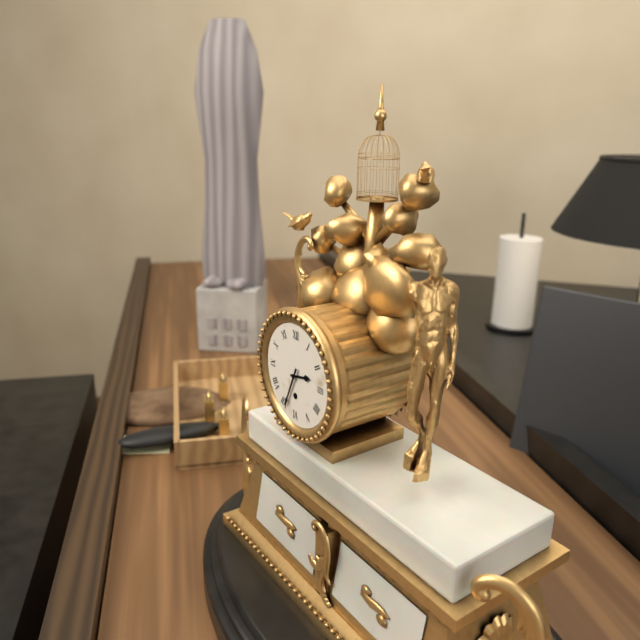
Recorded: 2 h 34 min
